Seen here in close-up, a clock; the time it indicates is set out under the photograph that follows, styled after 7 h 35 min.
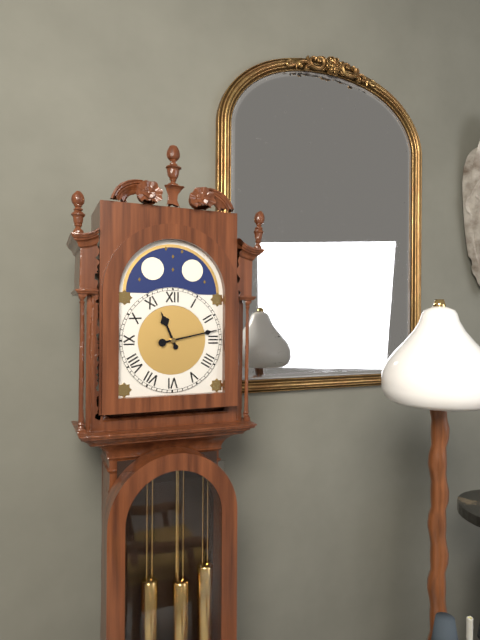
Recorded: 11 h 13 min
